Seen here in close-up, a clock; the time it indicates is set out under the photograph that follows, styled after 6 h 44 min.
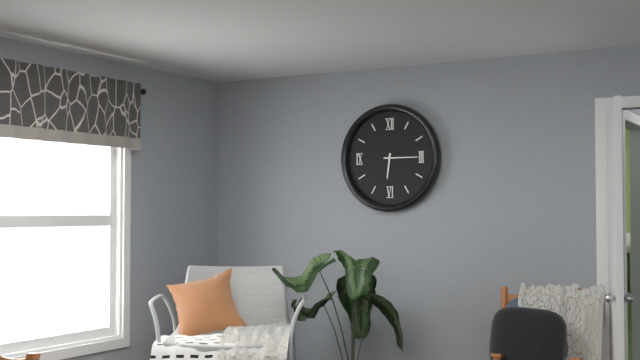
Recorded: 6 h 15 min
